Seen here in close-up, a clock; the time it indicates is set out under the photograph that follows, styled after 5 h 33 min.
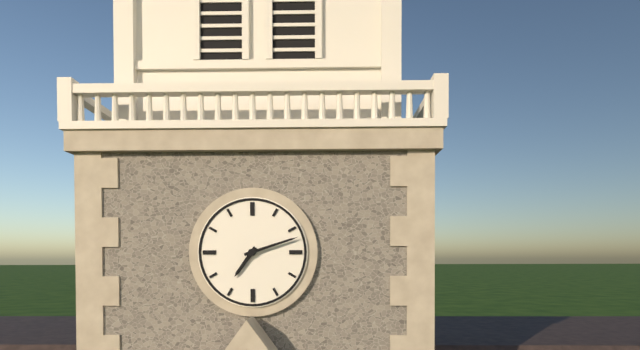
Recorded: 7 h 12 min
